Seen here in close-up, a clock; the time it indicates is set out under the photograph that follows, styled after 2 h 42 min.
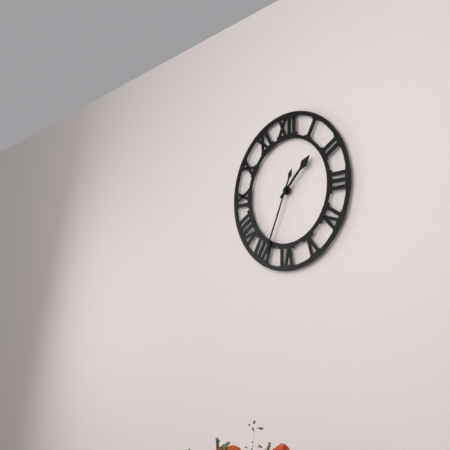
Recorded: 1 h 34 min
